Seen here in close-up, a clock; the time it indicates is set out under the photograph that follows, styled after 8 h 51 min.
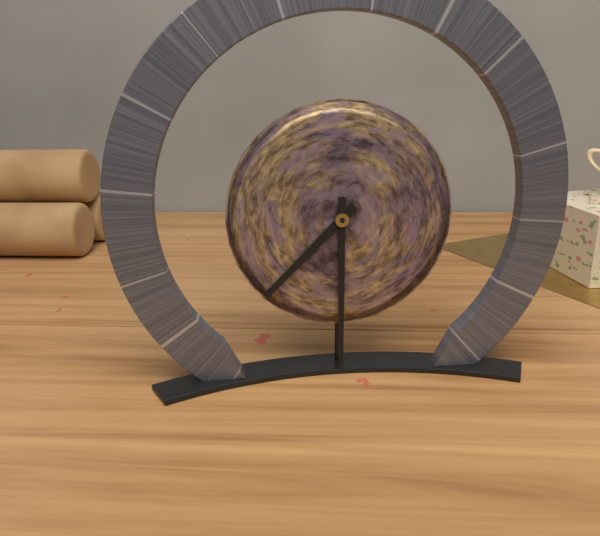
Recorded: 7 h 30 min
